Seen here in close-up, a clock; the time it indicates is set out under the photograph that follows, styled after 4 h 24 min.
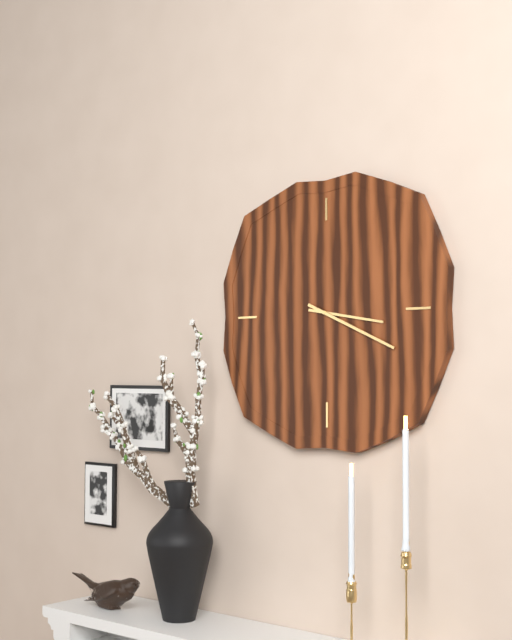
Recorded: 3 h 19 min
